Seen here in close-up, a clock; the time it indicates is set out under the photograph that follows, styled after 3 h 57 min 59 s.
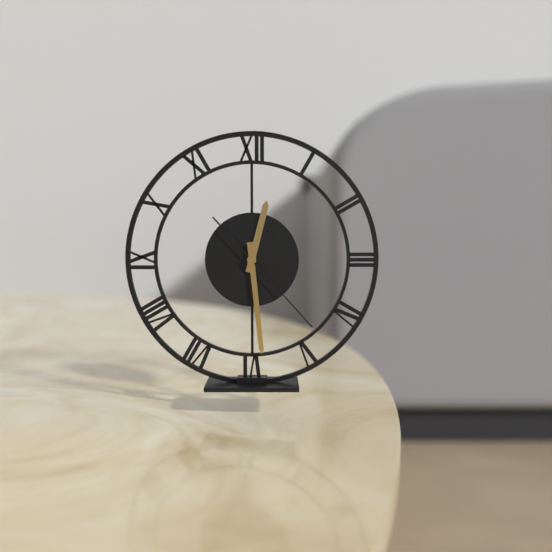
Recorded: 12 h 29 min 23 s
